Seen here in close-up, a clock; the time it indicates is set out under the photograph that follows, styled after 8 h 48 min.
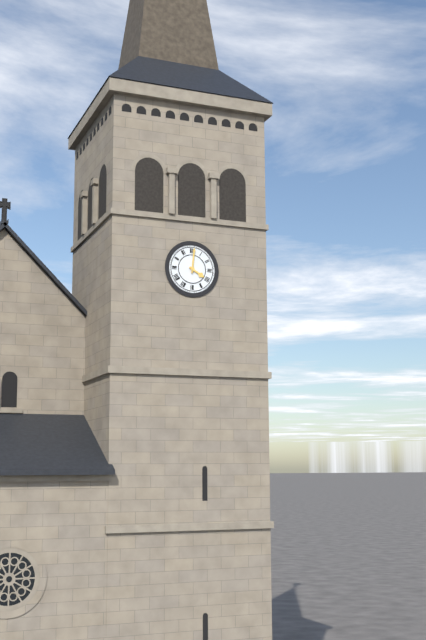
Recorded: 4 h 01 min
